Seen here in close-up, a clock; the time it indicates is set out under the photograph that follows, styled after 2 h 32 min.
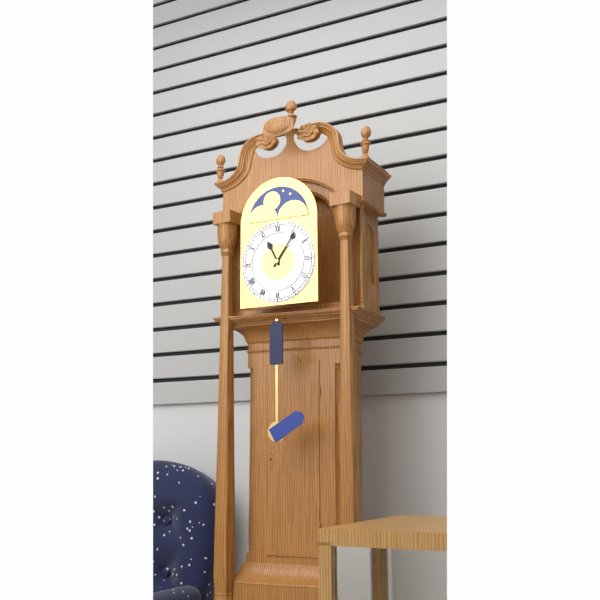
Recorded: 11 h 06 min
